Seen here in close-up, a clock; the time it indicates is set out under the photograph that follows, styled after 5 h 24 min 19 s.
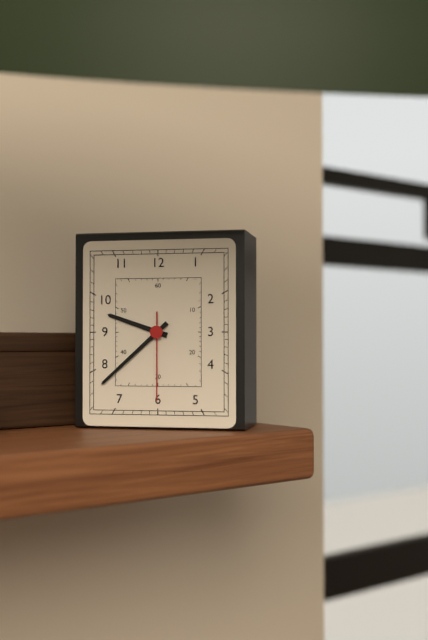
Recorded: 9 h 38 min 30 s
